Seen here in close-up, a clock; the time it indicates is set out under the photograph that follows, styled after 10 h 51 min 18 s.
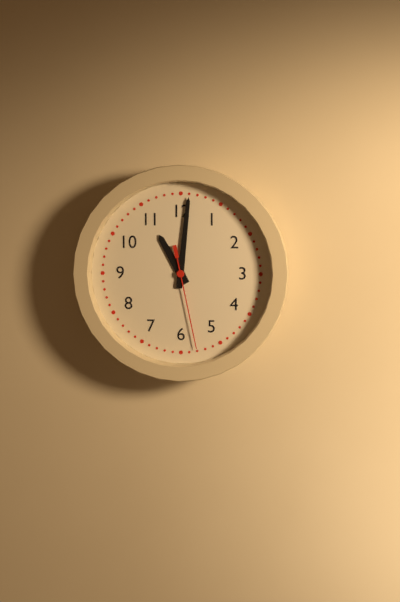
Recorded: 11 h 01 min 28 s
